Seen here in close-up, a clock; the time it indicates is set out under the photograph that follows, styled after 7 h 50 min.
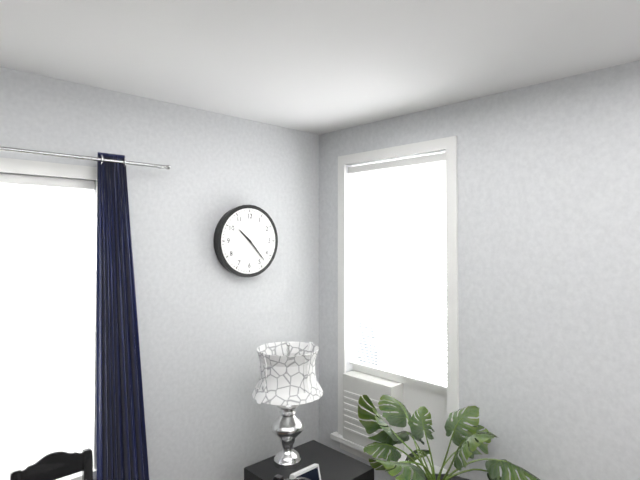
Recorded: 10 h 23 min
